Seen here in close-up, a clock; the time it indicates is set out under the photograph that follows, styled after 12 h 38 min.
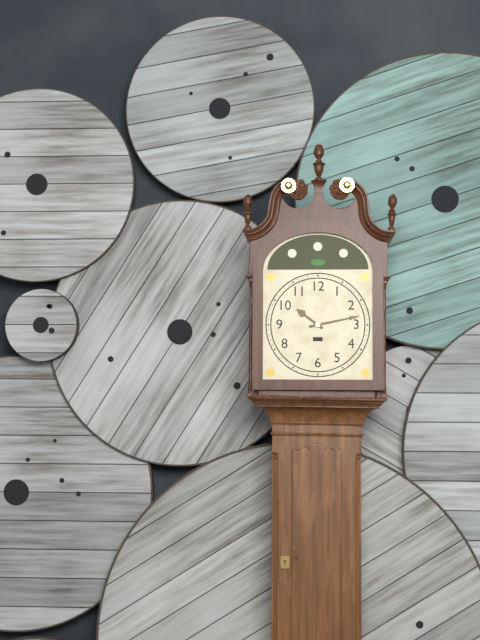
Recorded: 10 h 13 min
